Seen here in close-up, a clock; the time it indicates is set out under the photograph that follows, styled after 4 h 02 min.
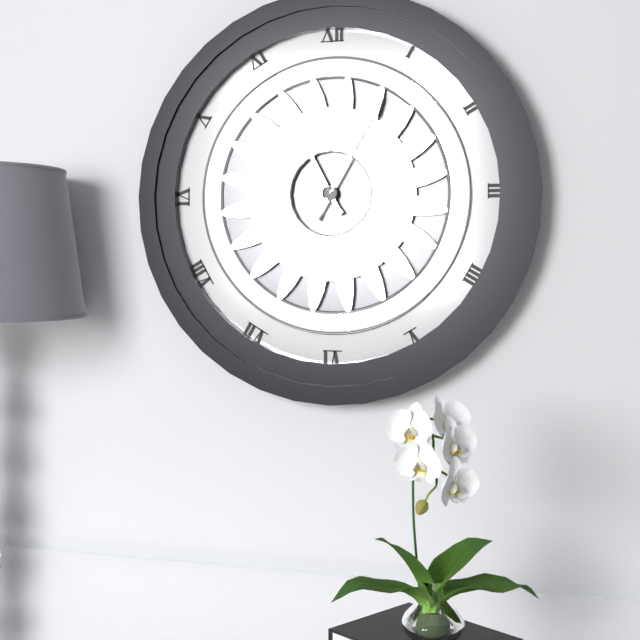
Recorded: 11 h 05 min
